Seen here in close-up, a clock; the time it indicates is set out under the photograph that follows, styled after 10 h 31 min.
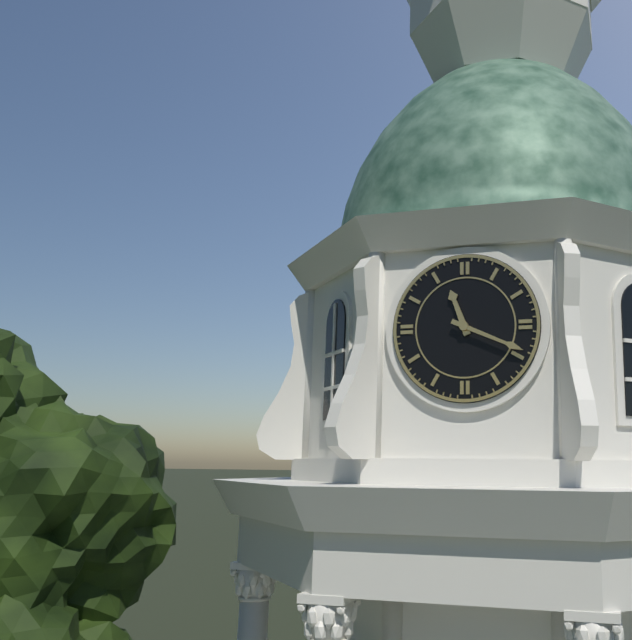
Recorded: 11 h 19 min
